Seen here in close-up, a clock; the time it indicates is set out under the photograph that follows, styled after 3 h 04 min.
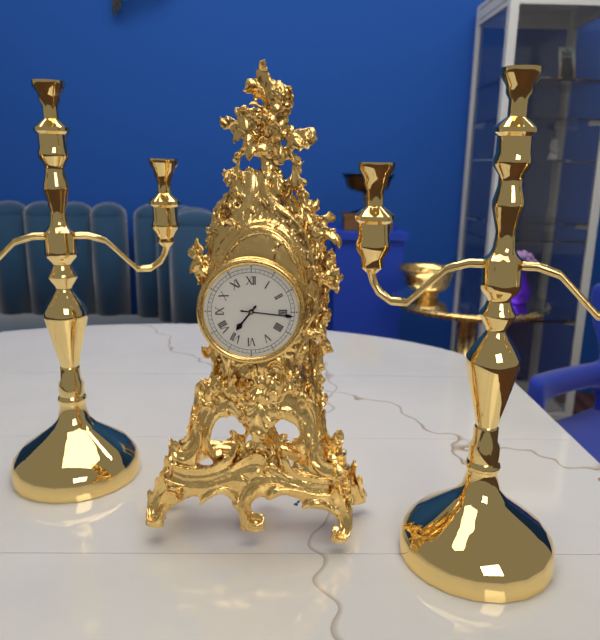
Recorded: 7 h 16 min
